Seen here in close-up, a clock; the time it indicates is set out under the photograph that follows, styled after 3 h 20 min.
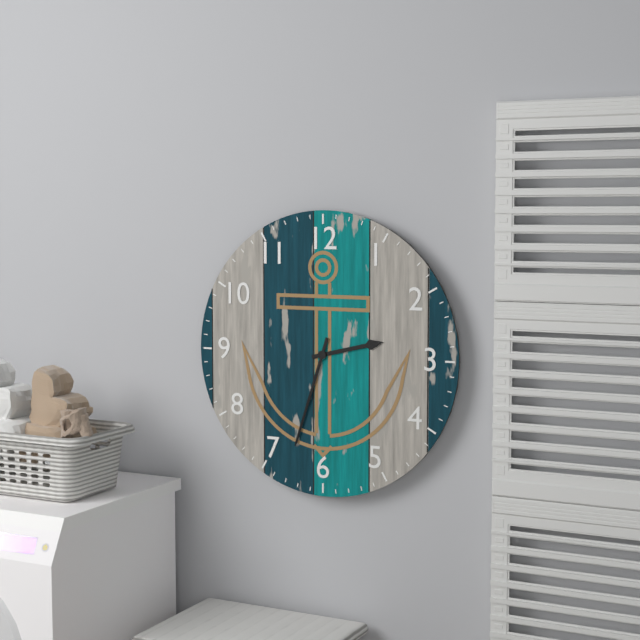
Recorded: 2 h 33 min
